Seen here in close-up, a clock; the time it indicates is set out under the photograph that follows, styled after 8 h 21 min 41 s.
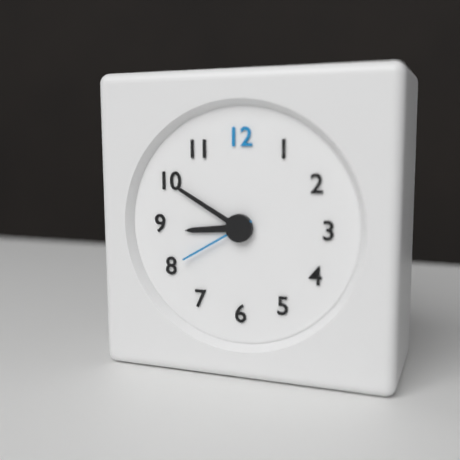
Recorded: 8 h 50 min 40 s
